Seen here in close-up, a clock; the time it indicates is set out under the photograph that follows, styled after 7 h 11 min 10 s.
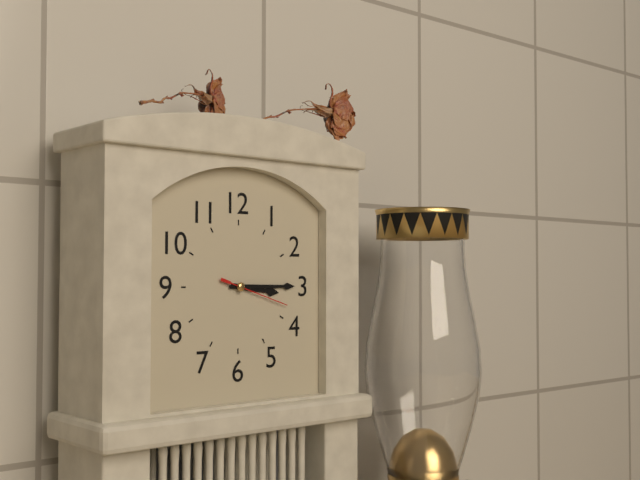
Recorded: 3 h 15 min 18 s
